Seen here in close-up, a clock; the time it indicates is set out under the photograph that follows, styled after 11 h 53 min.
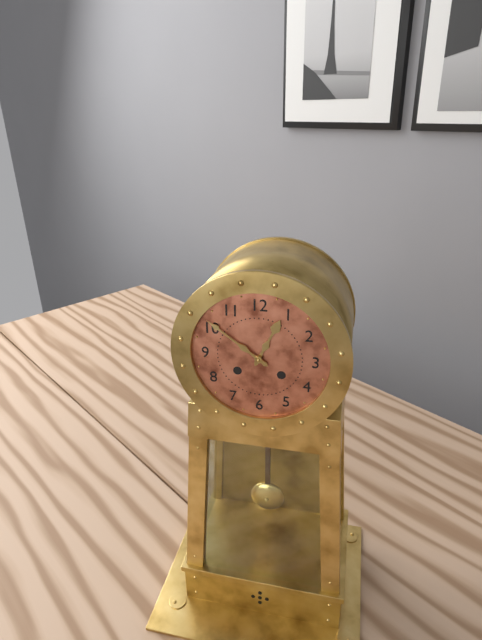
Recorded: 12 h 51 min
